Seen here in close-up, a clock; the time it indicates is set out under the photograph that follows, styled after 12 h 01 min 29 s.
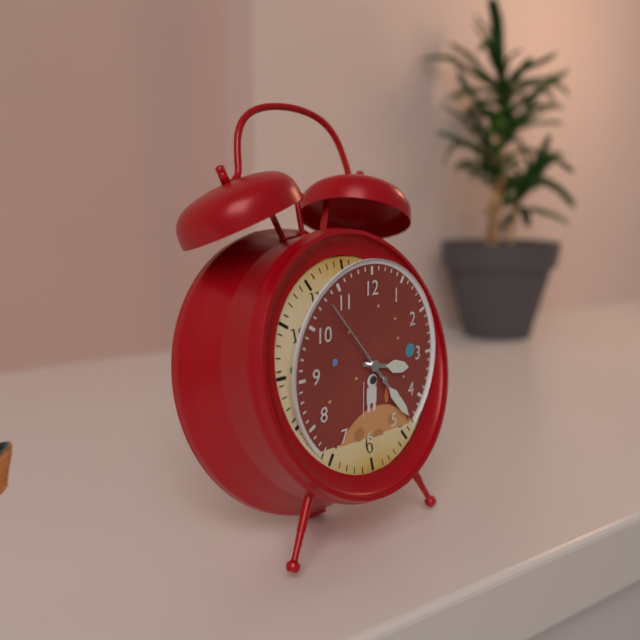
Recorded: 3 h 23 min 53 s
